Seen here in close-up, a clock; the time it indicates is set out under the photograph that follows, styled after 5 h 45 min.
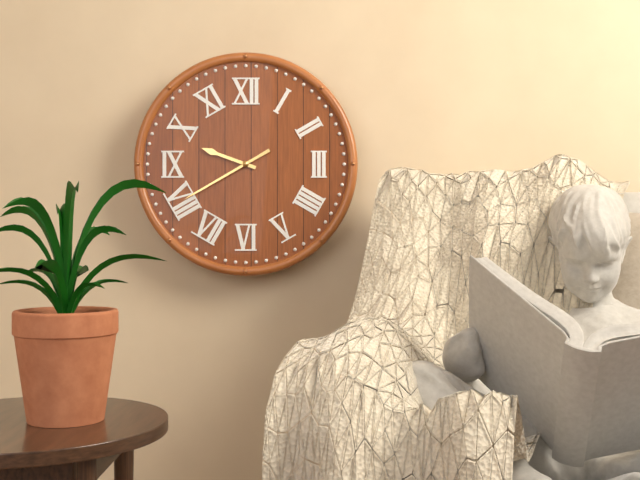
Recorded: 9 h 40 min
